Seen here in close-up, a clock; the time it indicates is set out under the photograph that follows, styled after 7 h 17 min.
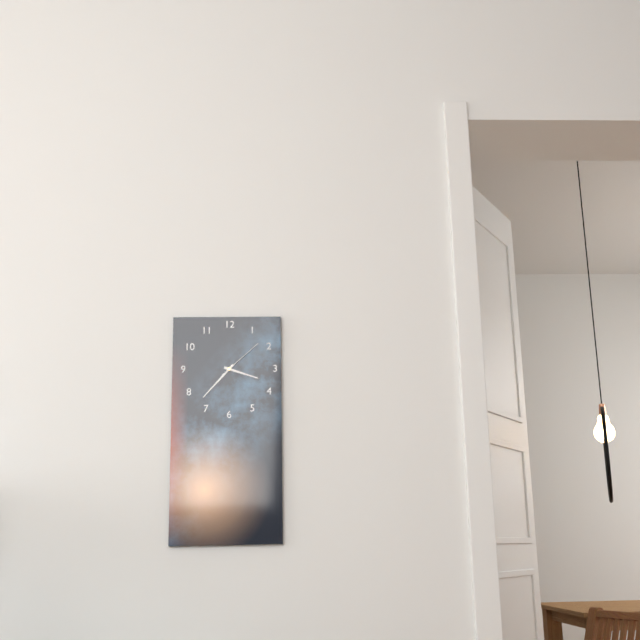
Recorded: 3 h 37 min
